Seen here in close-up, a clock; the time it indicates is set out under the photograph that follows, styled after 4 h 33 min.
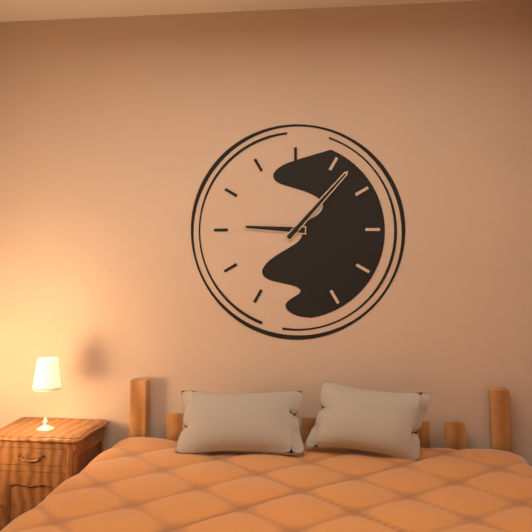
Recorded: 9 h 07 min
